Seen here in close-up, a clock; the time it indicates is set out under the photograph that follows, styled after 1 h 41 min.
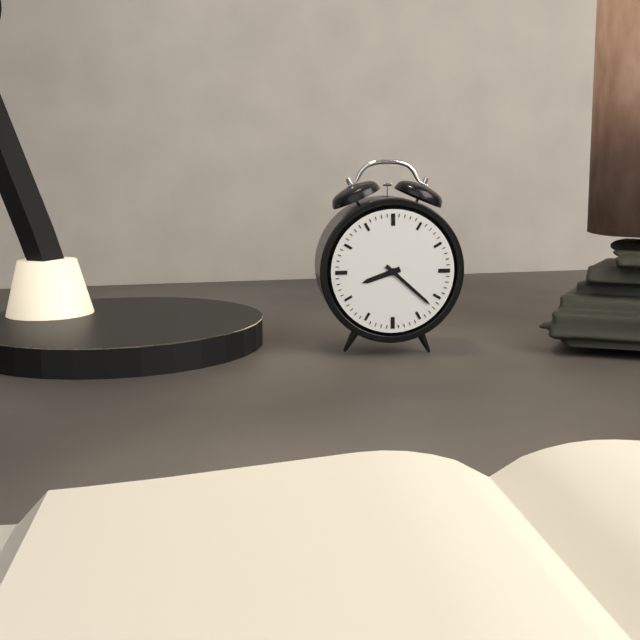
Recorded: 8 h 22 min
